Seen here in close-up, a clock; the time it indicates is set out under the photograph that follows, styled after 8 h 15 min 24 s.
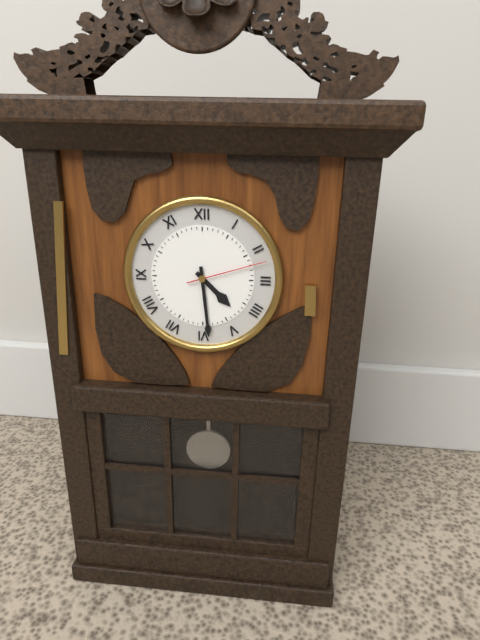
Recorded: 4 h 29 min 12 s
